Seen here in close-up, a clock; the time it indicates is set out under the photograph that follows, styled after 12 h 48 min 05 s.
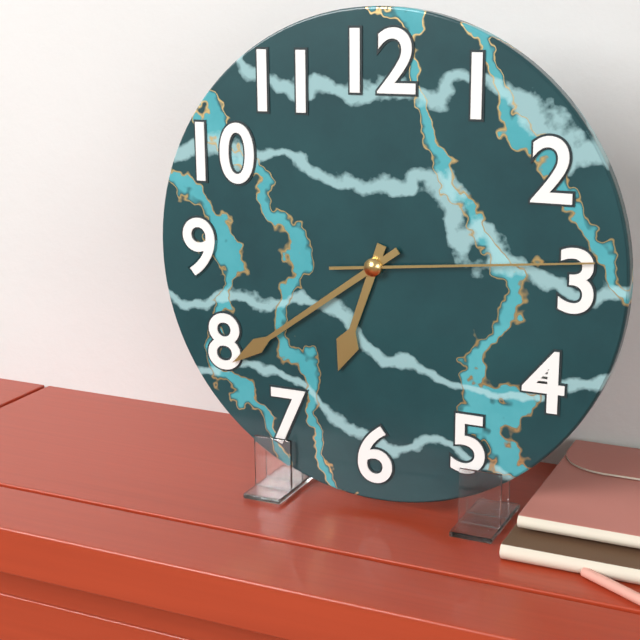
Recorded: 6 h 39 min 14 s
